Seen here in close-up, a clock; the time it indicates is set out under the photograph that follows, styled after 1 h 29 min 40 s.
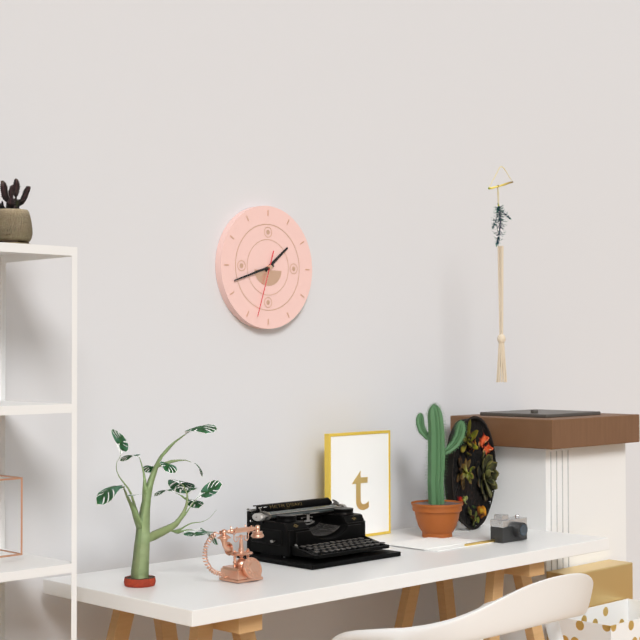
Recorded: 1 h 42 min 33 s
